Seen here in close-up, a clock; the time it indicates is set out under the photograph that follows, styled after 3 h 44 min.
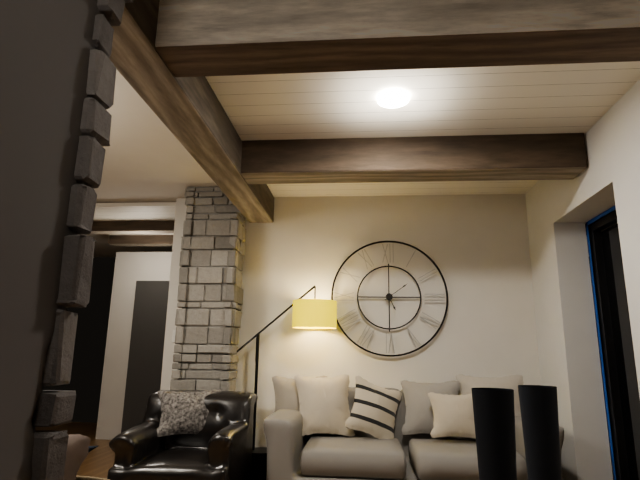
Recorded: 5 h 09 min
